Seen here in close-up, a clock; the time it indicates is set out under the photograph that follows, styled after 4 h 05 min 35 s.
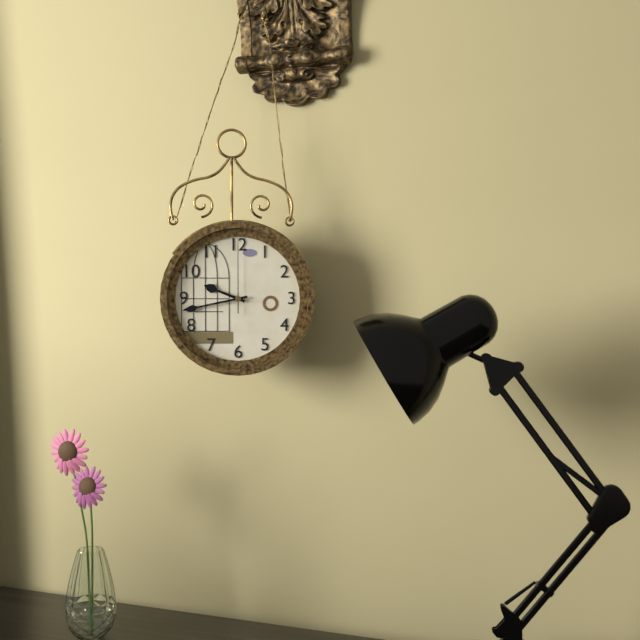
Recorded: 9 h 43 min 00 s
